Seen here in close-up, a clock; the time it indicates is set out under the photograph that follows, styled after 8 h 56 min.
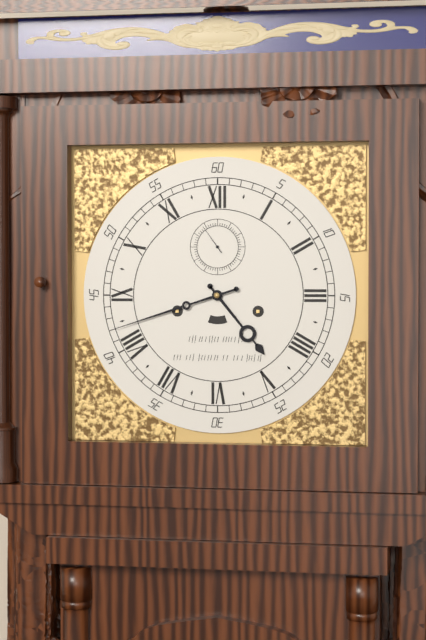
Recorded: 4 h 42 min
